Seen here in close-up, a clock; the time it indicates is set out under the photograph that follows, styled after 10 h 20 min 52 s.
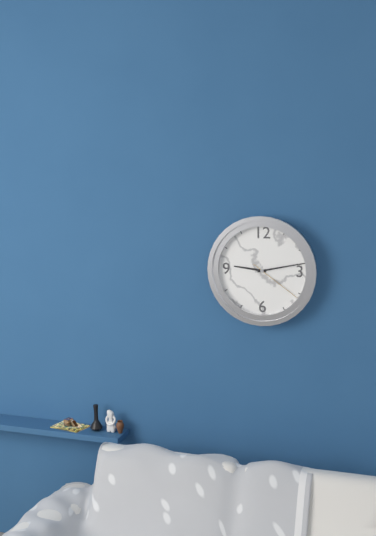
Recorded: 9 h 13 min 21 s
